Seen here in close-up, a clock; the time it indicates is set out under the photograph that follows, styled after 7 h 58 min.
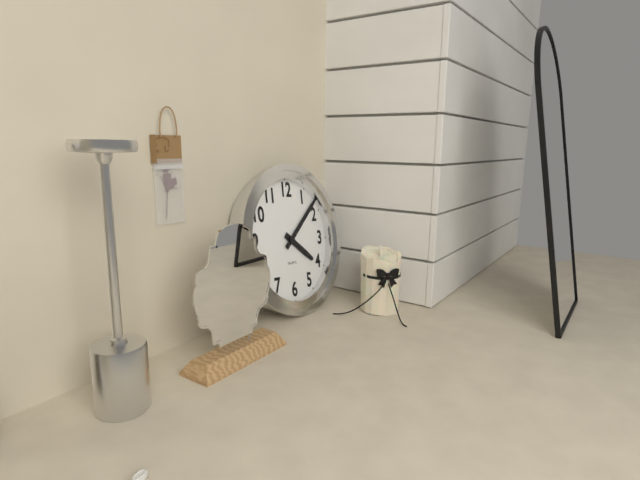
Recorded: 4 h 08 min
